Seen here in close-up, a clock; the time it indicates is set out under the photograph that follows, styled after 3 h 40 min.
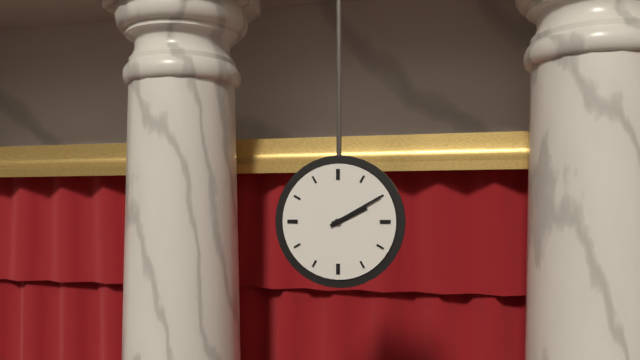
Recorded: 2 h 10 min
